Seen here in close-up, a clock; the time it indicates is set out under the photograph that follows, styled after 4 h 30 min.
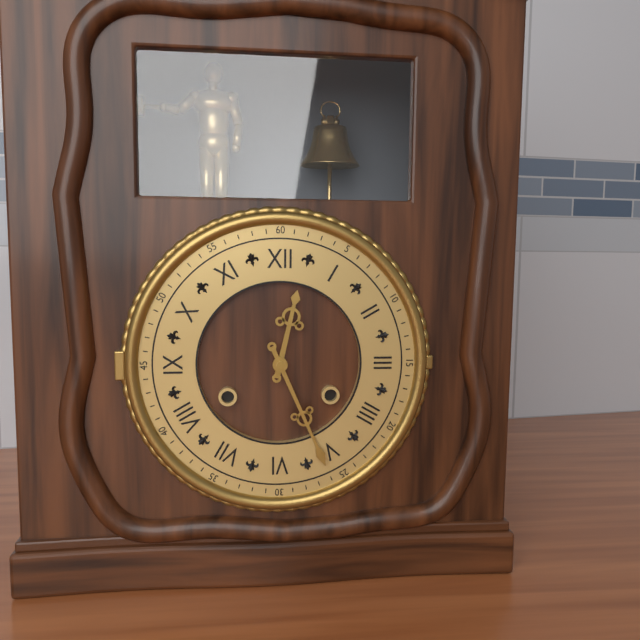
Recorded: 12 h 26 min
